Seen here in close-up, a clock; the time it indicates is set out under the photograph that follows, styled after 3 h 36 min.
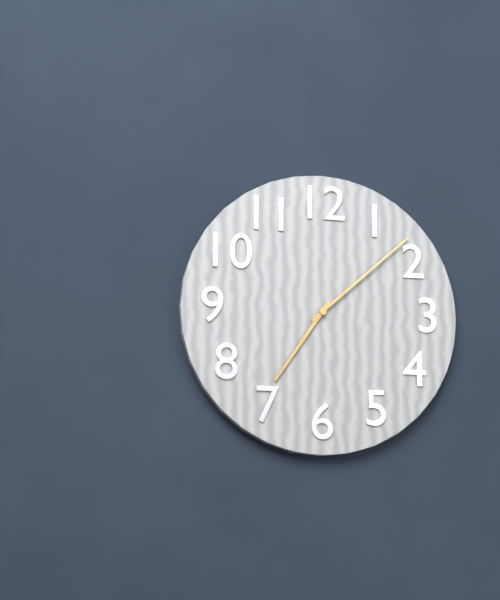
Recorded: 7 h 08 min
